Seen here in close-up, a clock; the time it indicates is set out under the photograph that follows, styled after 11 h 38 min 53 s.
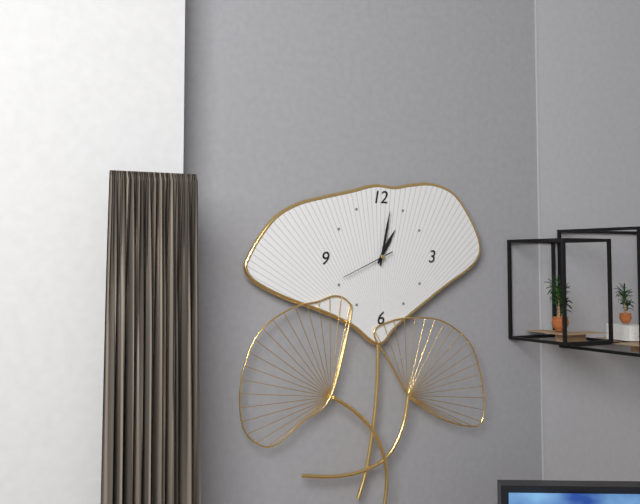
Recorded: 1 h 02 min 41 s
